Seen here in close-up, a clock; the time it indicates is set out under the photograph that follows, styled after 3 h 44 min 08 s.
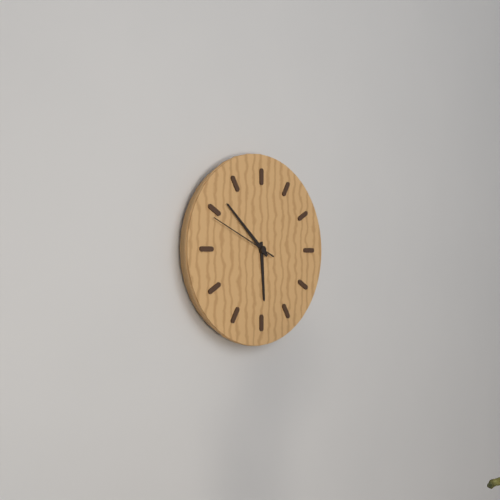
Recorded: 5 h 52 min 49 s
